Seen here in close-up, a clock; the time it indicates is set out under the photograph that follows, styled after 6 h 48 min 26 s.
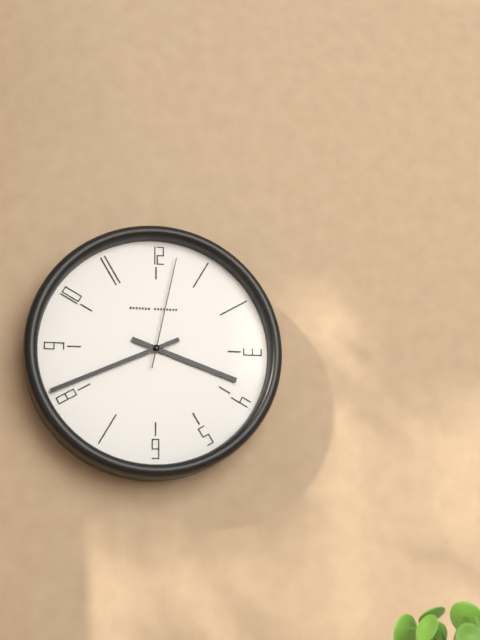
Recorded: 3 h 41 min 02 s
